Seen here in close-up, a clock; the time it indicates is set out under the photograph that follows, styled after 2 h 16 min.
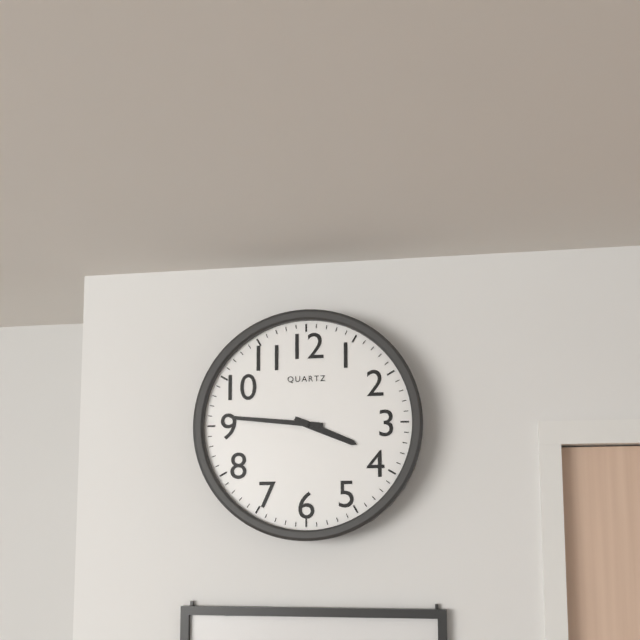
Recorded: 3 h 46 min
